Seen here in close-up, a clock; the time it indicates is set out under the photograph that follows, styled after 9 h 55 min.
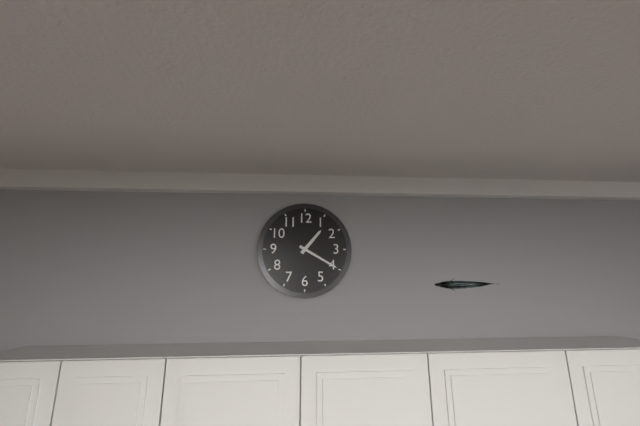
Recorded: 1 h 20 min
